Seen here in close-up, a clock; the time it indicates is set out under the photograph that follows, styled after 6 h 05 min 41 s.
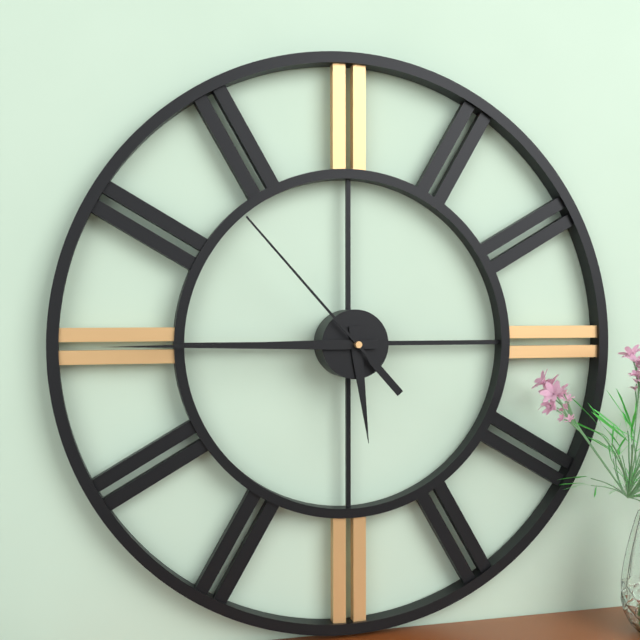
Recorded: 5 h 45 min 53 s
